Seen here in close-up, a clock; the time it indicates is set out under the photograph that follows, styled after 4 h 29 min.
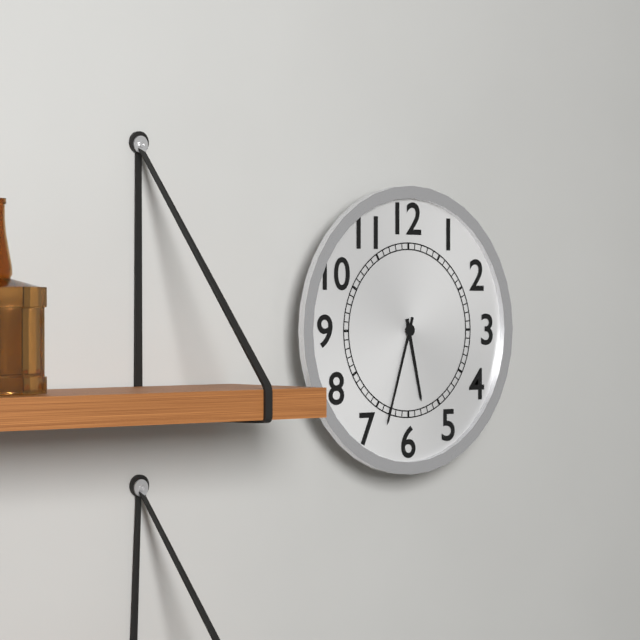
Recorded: 5 h 33 min
